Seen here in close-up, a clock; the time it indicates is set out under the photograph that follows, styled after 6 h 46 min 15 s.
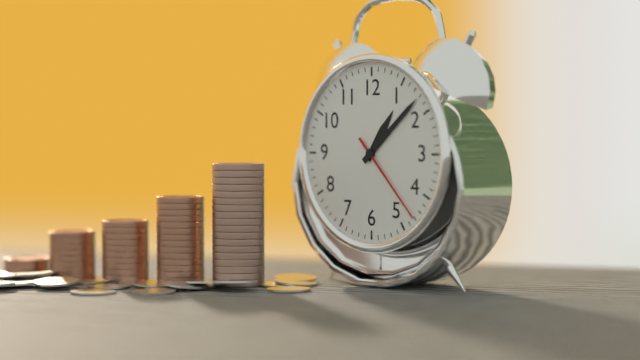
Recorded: 1 h 08 min 23 s
